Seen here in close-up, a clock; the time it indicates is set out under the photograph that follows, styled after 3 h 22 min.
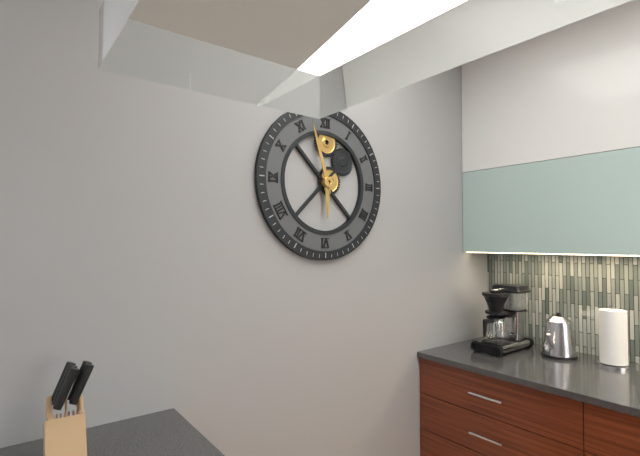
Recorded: 5 h 57 min
